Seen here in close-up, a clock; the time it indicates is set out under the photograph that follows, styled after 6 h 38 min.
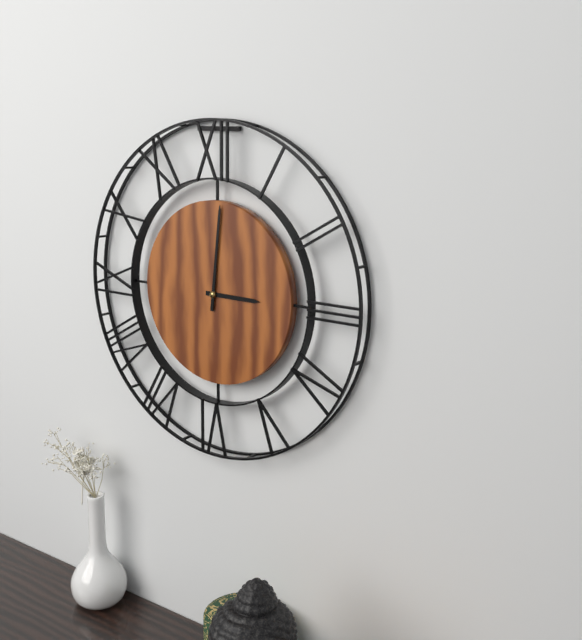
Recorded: 3 h 01 min
